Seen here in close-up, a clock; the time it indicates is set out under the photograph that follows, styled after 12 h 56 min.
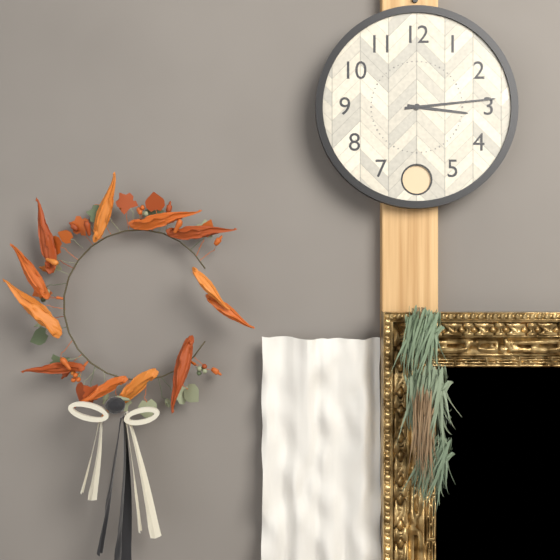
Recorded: 3 h 14 min
